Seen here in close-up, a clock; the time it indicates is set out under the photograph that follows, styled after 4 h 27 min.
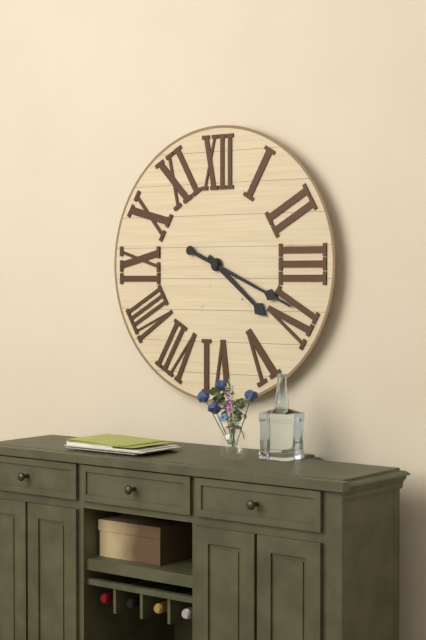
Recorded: 4 h 19 min
